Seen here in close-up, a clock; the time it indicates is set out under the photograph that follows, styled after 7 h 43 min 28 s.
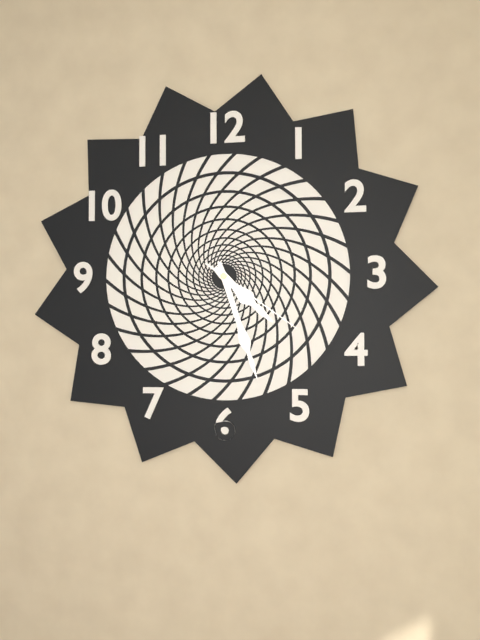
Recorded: 4 h 27 min 21 s
